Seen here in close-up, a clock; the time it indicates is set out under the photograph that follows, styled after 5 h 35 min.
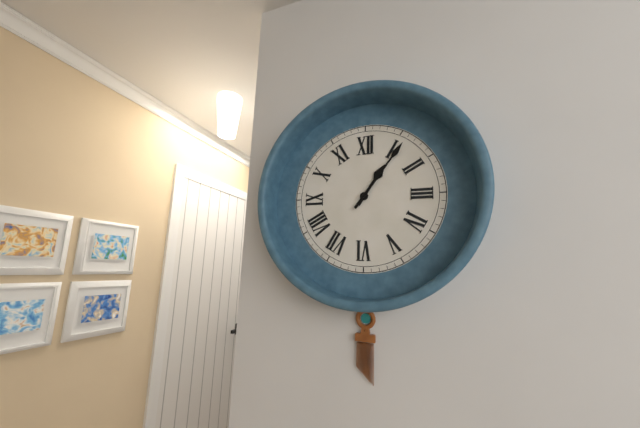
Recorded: 1 h 06 min
